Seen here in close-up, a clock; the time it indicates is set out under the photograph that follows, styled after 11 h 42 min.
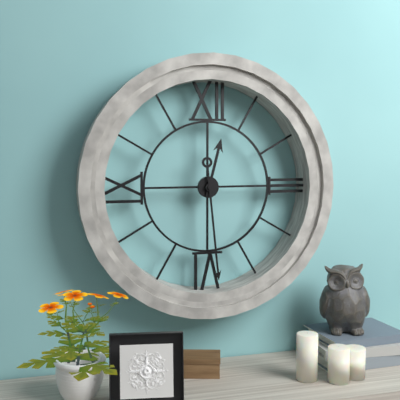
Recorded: 12 h 29 min
